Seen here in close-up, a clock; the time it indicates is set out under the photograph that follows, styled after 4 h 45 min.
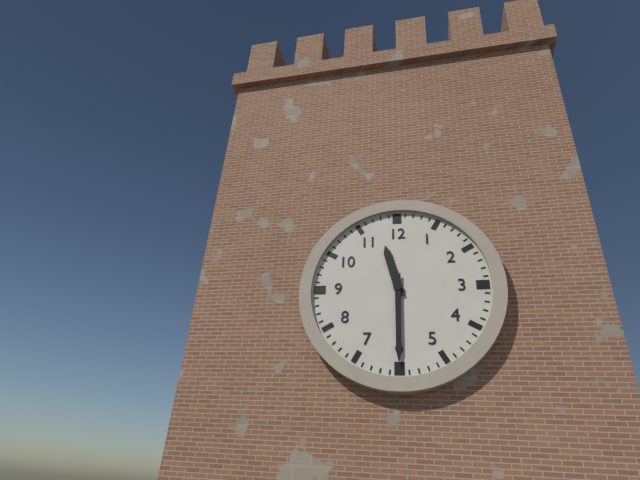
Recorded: 11 h 30 min
